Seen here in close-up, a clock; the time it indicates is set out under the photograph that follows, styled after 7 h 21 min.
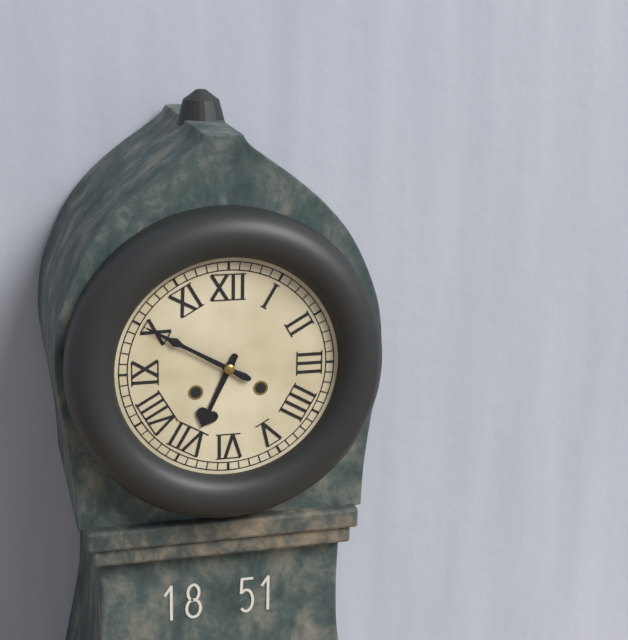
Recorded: 6 h 50 min
